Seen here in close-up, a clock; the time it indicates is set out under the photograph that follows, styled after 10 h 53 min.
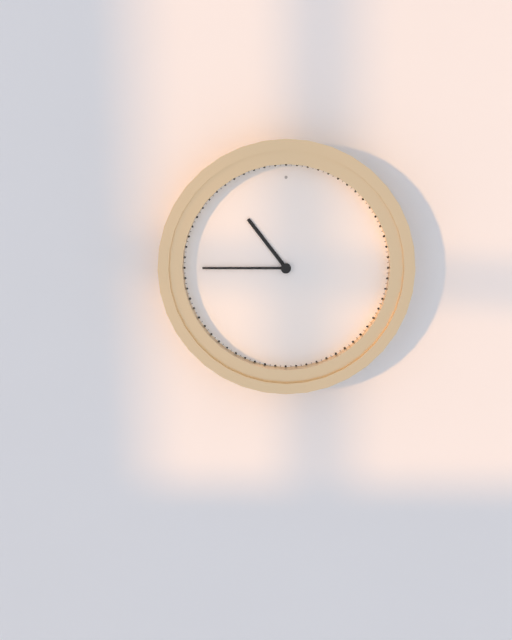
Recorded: 10 h 45 min
